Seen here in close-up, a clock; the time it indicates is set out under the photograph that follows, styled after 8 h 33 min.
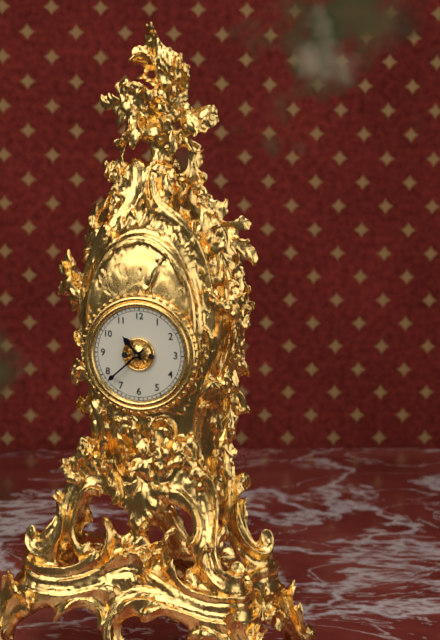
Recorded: 10 h 38 min
